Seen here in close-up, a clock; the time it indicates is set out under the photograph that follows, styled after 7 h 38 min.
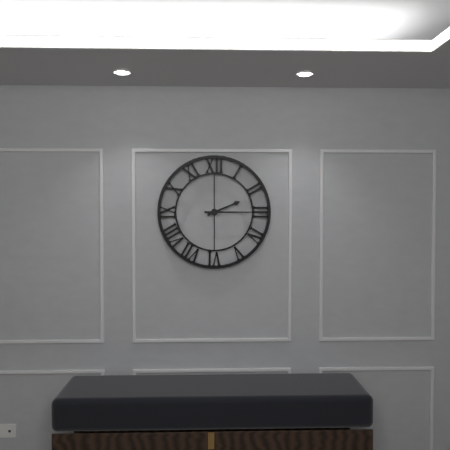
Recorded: 2 h 15 min
